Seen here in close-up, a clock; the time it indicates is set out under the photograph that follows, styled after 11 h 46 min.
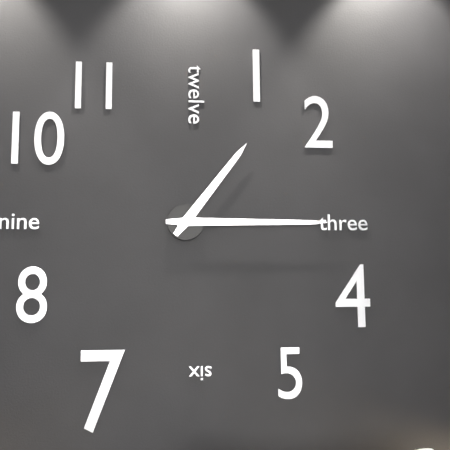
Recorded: 1 h 15 min
